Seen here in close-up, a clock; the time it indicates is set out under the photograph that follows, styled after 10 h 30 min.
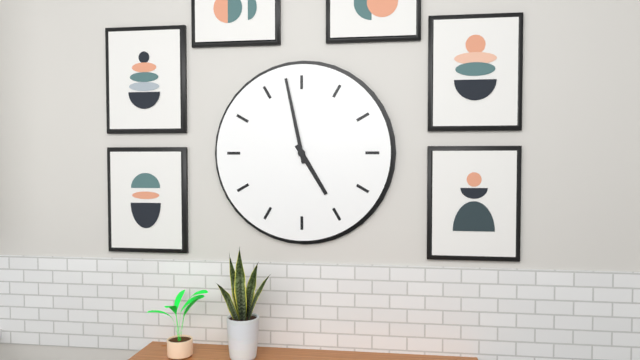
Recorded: 4 h 58 min
